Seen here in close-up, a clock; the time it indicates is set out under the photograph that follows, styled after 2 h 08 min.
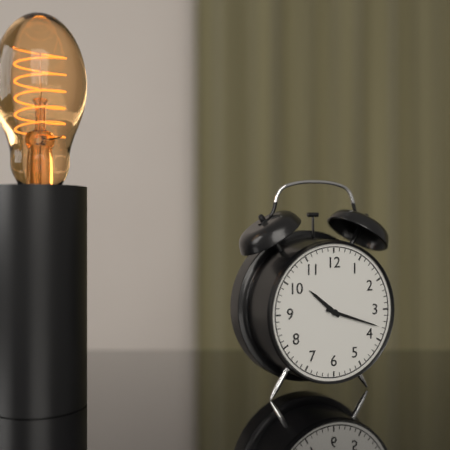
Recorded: 10 h 18 min
